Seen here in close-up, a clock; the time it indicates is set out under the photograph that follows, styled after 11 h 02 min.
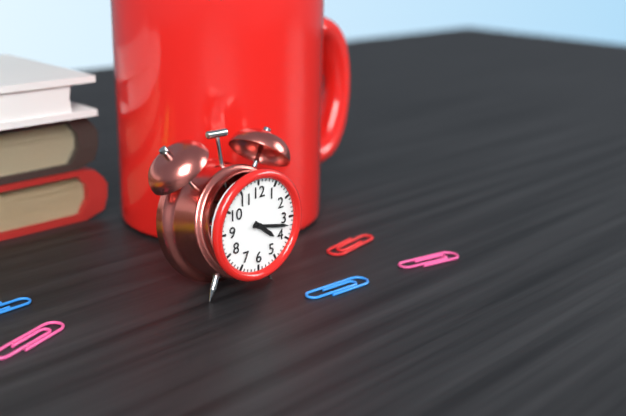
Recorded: 4 h 17 min
